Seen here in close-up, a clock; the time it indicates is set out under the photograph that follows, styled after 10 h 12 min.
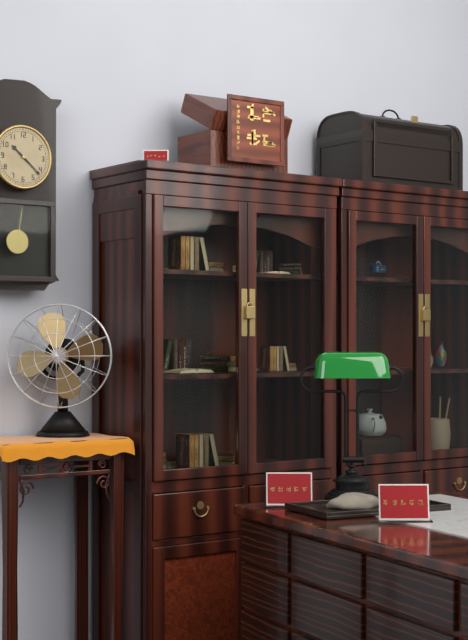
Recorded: 10 h 22 min
